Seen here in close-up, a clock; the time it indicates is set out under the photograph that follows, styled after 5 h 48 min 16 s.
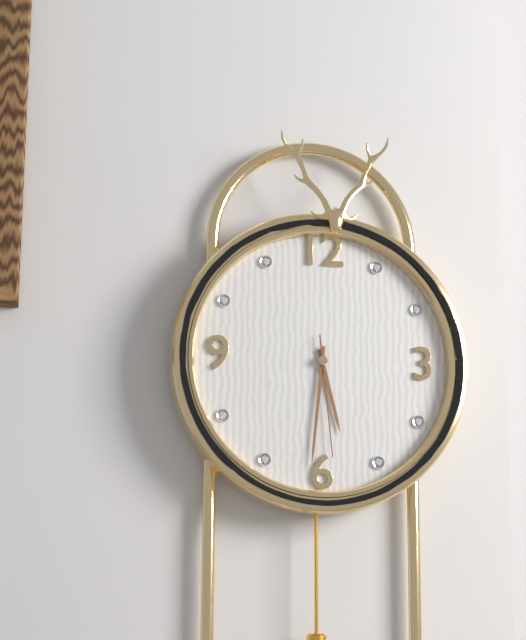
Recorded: 5 h 31 min 29 s
